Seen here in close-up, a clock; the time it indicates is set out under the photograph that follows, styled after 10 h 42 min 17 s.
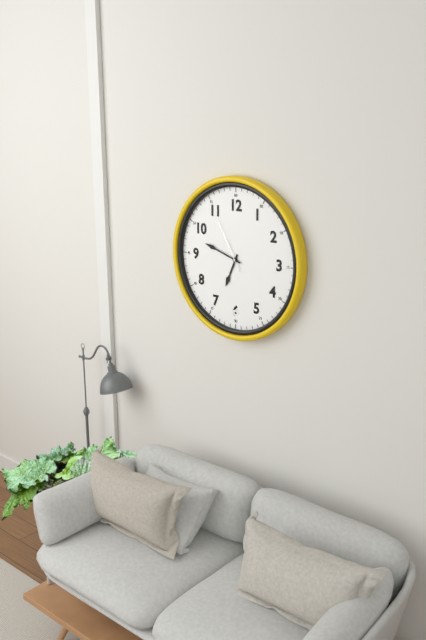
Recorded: 6 h 48 min 55 s
